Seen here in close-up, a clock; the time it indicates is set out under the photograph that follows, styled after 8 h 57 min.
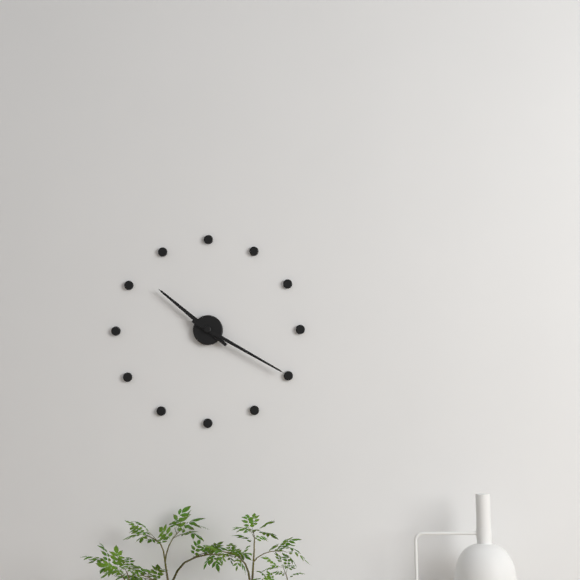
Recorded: 10 h 20 min
